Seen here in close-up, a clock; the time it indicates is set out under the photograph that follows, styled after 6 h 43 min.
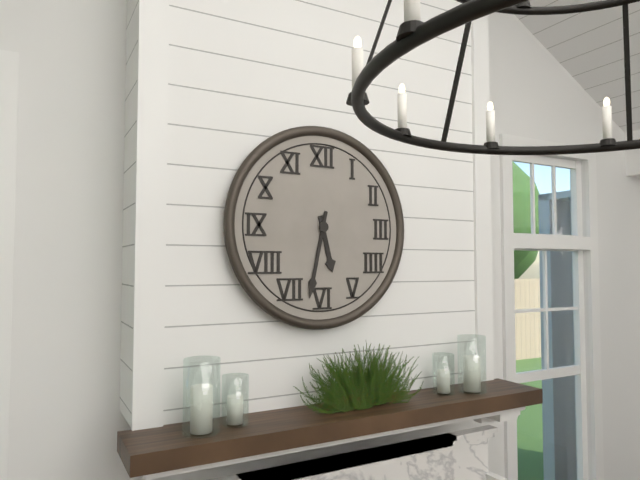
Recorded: 5 h 32 min
